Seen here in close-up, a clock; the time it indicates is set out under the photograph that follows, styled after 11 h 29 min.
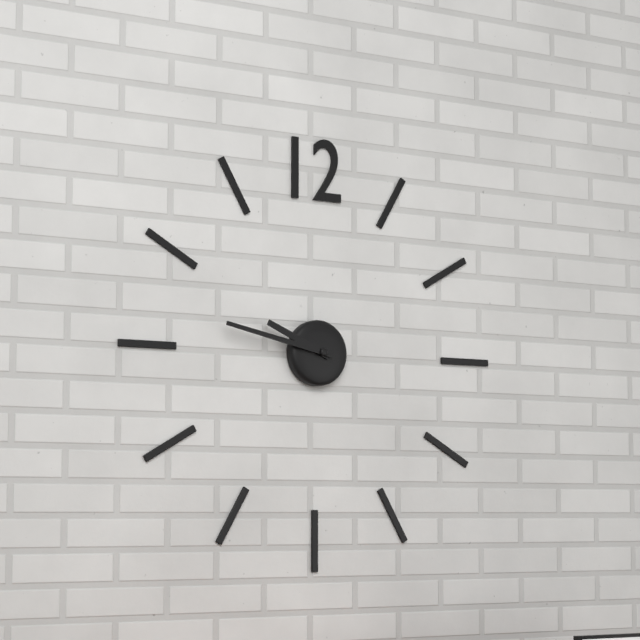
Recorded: 9 h 47 min
